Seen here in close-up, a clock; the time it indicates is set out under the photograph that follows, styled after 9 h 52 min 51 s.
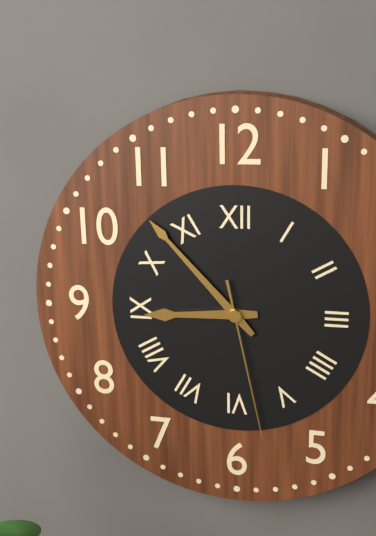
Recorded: 8 h 53 min 28 s
